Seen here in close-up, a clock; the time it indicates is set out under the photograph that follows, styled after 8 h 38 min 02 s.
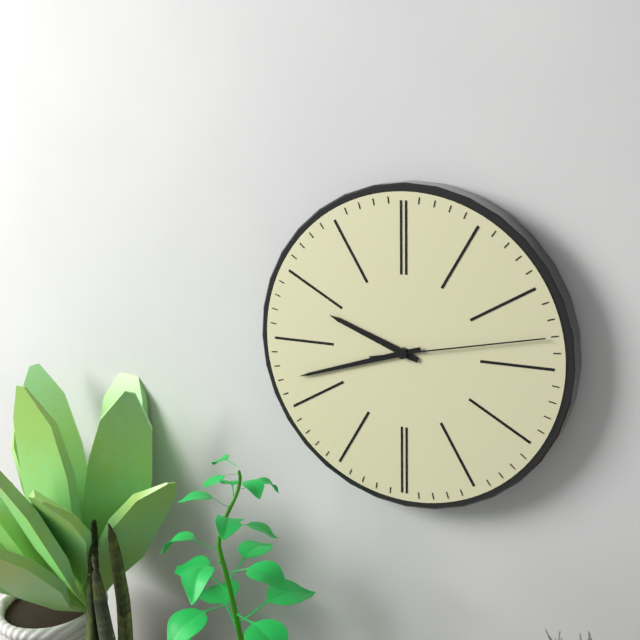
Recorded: 9 h 42 min 13 s
